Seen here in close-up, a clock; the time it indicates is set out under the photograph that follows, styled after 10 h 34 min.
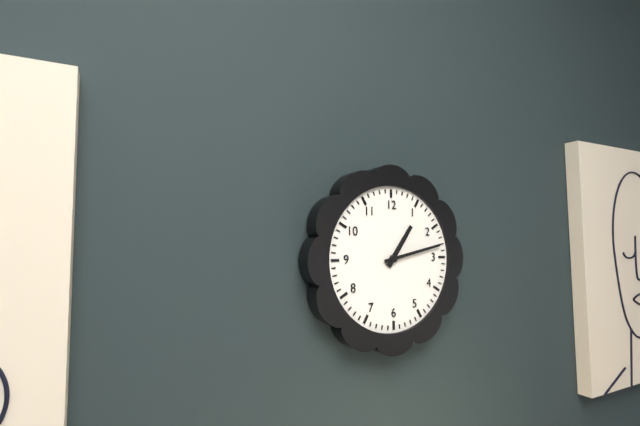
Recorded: 1 h 13 min
